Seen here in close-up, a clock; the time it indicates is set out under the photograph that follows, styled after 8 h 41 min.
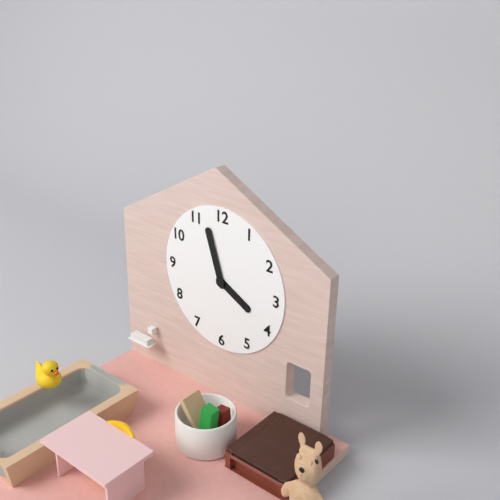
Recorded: 3 h 57 min
